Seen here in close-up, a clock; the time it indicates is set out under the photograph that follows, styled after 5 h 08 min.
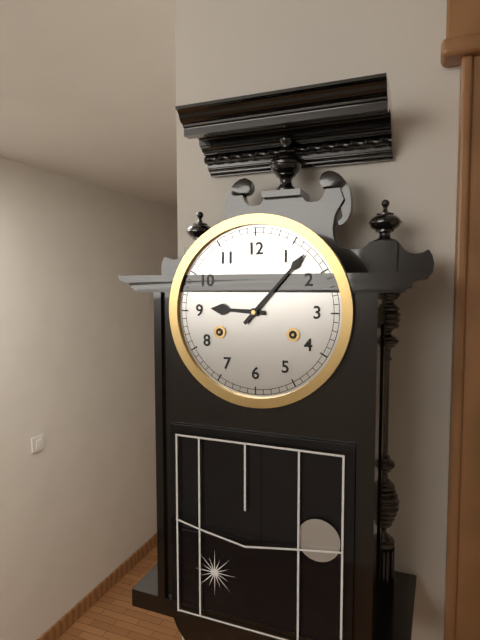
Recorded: 9 h 07 min
